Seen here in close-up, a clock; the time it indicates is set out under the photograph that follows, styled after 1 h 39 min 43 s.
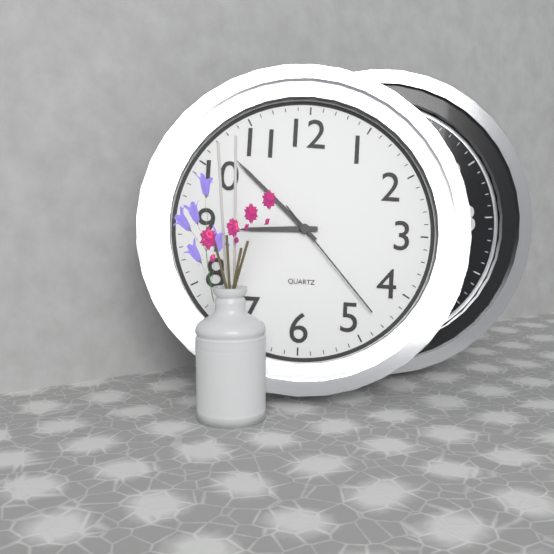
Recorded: 8 h 52 min 23 s
